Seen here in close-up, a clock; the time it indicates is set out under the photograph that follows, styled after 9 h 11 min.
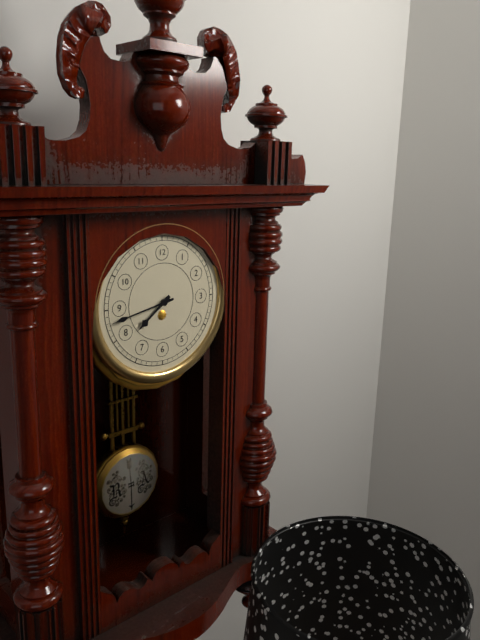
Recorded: 7 h 43 min
